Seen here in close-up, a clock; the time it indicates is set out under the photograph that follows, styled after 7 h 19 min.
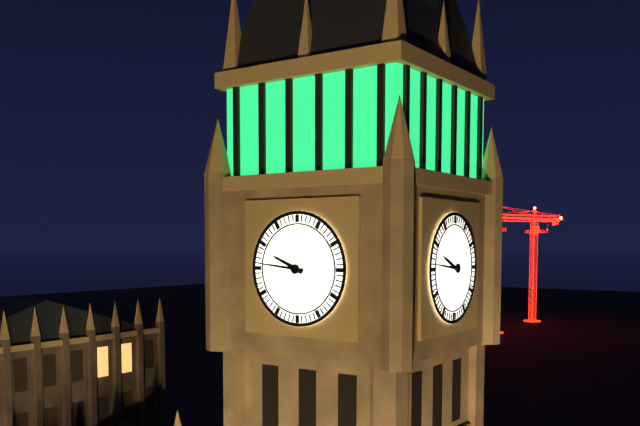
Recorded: 9 h 46 min
